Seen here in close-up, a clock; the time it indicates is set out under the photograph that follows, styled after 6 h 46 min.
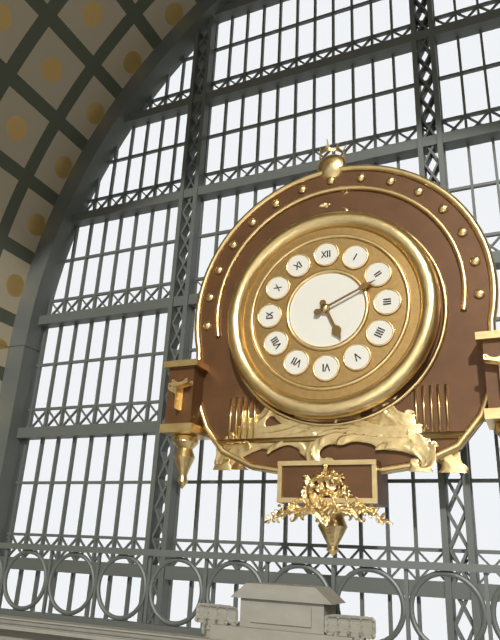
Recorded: 5 h 11 min
